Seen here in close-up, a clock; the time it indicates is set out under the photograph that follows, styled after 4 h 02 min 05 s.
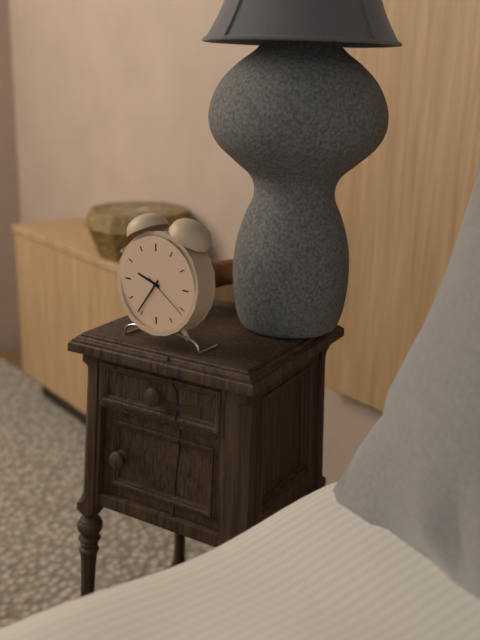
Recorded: 9 h 36 min 21 s
